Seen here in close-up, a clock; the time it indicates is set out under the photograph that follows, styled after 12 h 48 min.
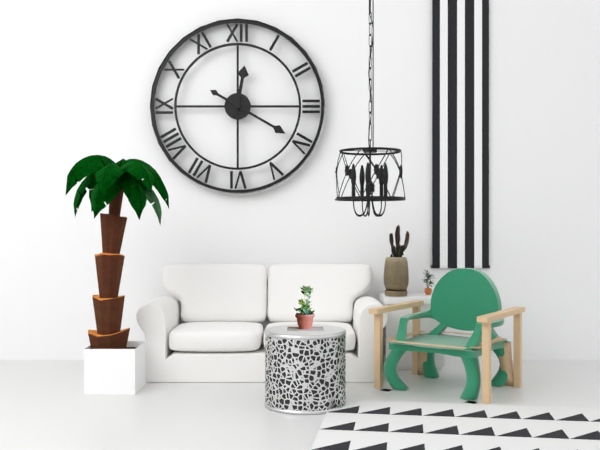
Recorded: 12 h 20 min
